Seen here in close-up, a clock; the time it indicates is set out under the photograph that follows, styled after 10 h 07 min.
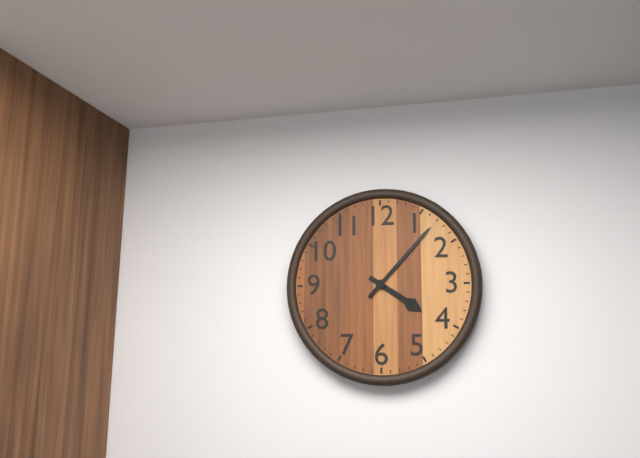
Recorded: 4 h 07 min
